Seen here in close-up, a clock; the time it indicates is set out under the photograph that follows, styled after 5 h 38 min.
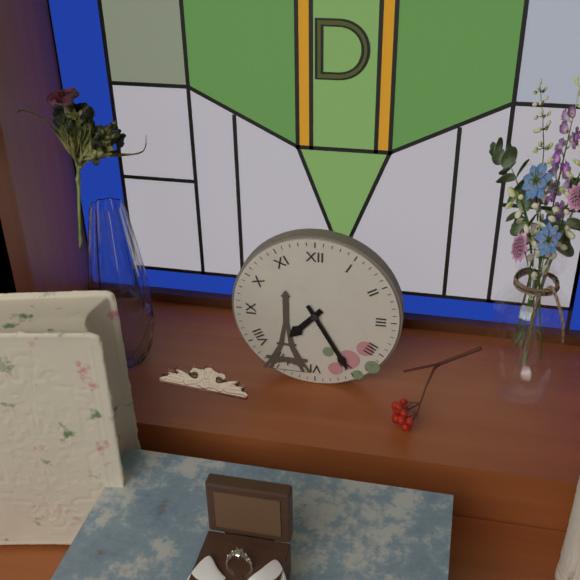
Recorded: 7 h 25 min
